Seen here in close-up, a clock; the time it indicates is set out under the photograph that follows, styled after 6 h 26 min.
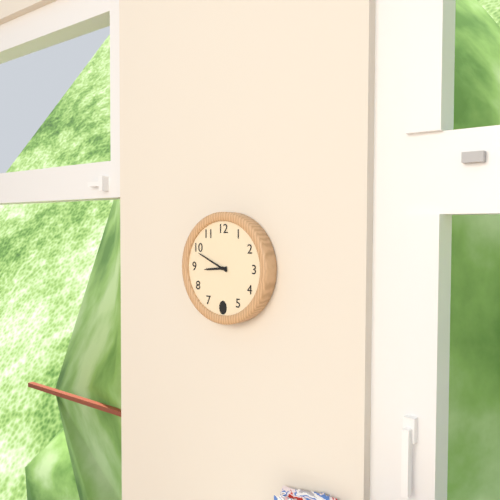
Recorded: 8 h 49 min
